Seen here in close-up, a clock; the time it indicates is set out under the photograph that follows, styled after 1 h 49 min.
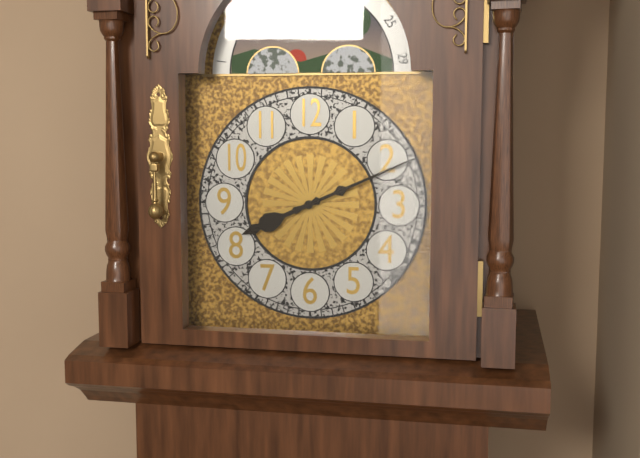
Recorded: 8 h 11 min
